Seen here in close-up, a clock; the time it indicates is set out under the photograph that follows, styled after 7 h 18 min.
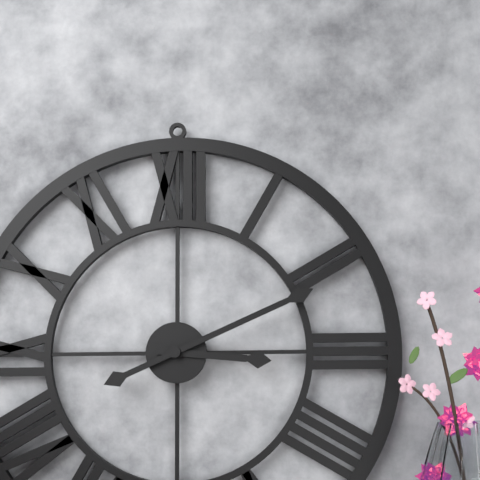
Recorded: 3 h 11 min
